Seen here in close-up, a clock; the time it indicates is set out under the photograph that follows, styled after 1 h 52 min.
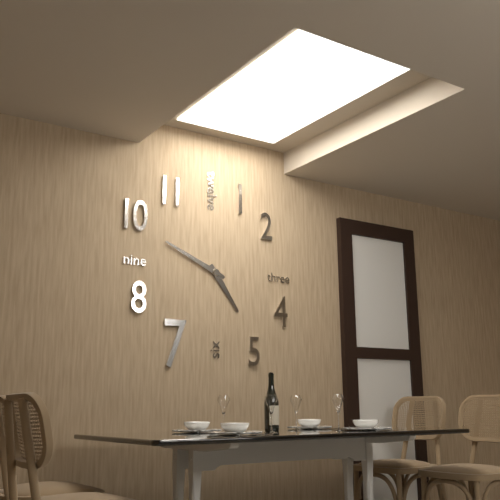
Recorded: 4 h 49 min
